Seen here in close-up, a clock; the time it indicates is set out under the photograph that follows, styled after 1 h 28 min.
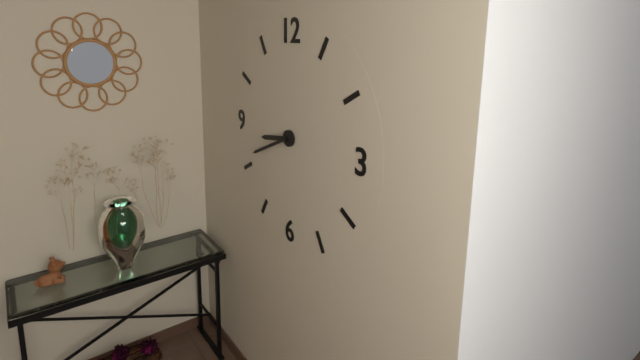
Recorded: 8 h 41 min
